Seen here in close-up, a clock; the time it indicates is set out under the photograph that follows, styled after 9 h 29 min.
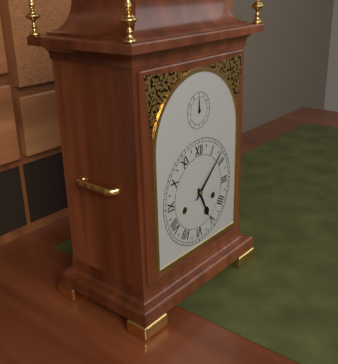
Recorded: 5 h 08 min
